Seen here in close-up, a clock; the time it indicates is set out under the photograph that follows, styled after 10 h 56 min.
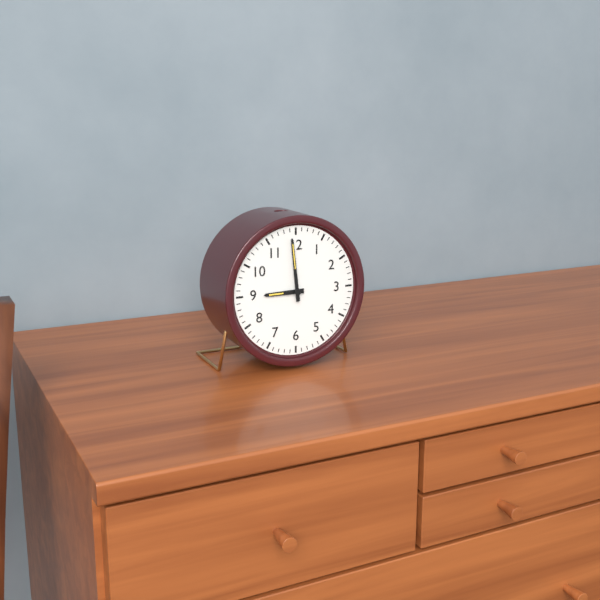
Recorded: 8 h 59 min
